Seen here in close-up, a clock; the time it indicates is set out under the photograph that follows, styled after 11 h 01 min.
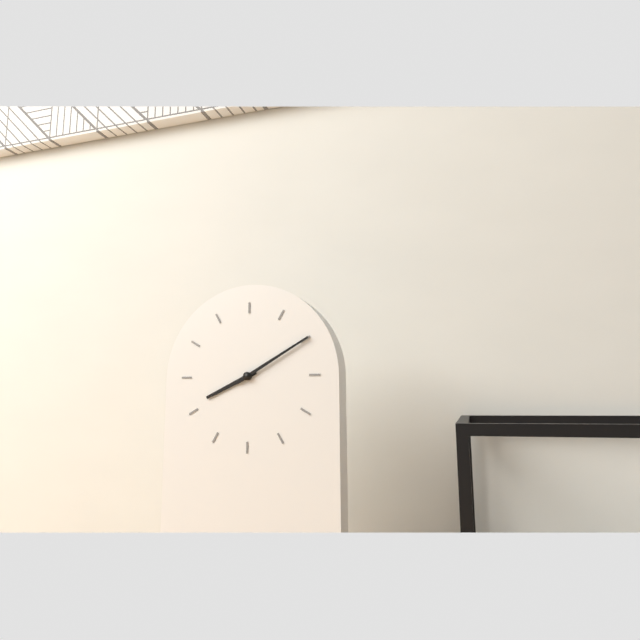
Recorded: 8 h 10 min
